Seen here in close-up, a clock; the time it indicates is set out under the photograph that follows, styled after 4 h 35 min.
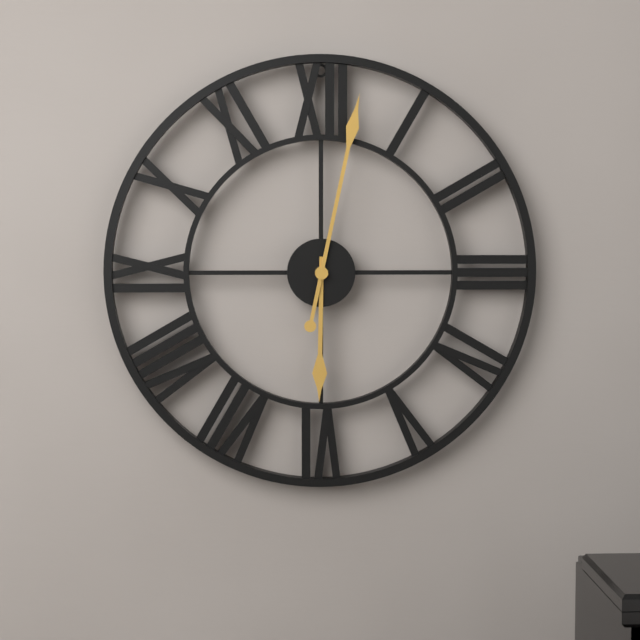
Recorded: 6 h 02 min
